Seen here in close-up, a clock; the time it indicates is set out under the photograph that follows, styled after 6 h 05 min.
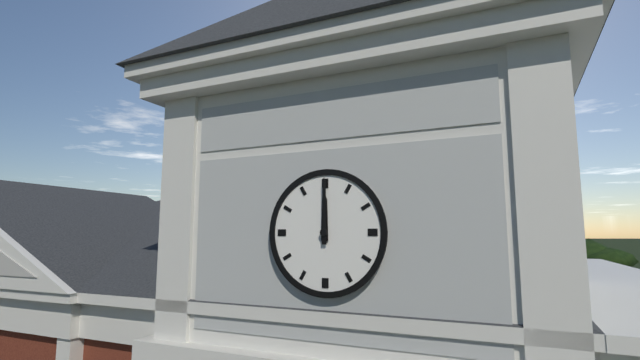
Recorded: 12 h 00 min
